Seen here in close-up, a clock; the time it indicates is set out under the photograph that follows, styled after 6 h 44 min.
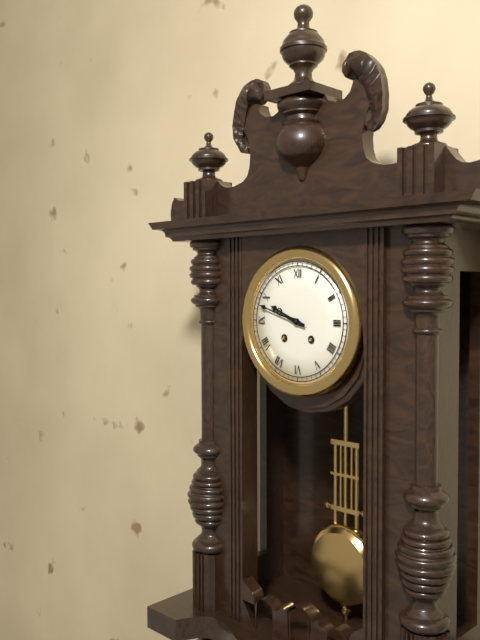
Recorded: 9 h 48 min
